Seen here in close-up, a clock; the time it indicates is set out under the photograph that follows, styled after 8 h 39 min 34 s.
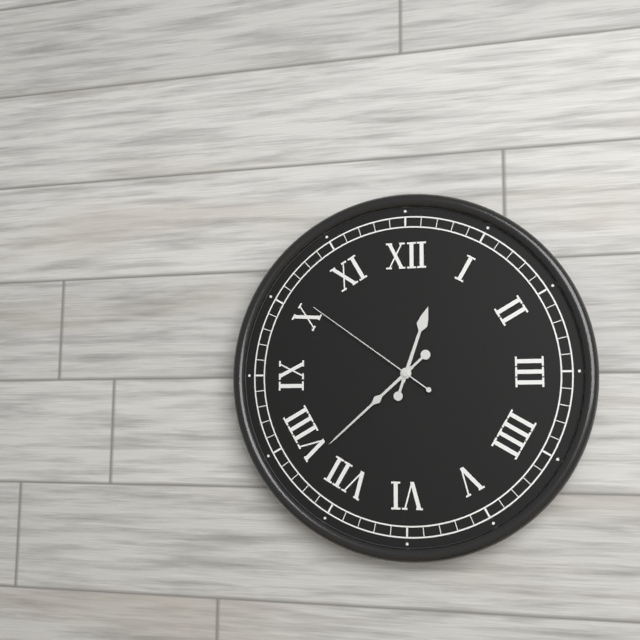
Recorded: 12 h 38 min 51 s
